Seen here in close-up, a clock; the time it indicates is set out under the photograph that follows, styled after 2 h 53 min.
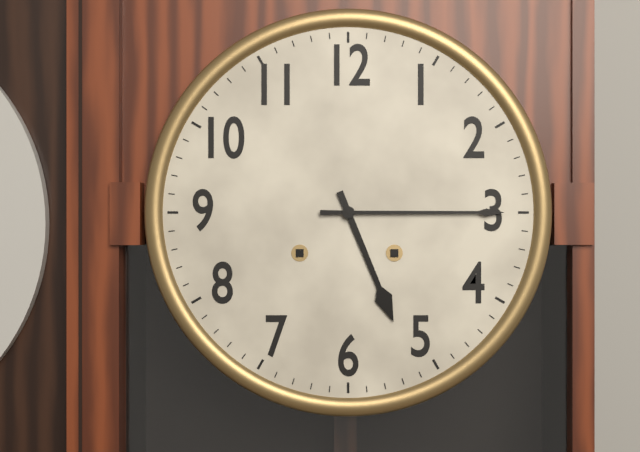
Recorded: 5 h 15 min
